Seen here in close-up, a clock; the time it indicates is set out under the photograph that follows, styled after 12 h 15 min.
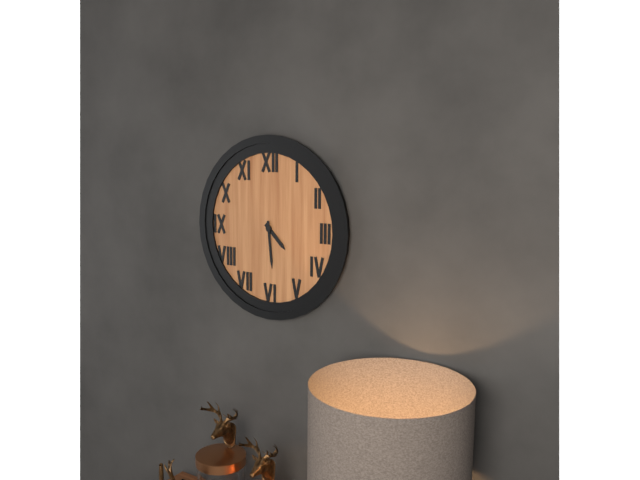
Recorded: 4 h 29 min
